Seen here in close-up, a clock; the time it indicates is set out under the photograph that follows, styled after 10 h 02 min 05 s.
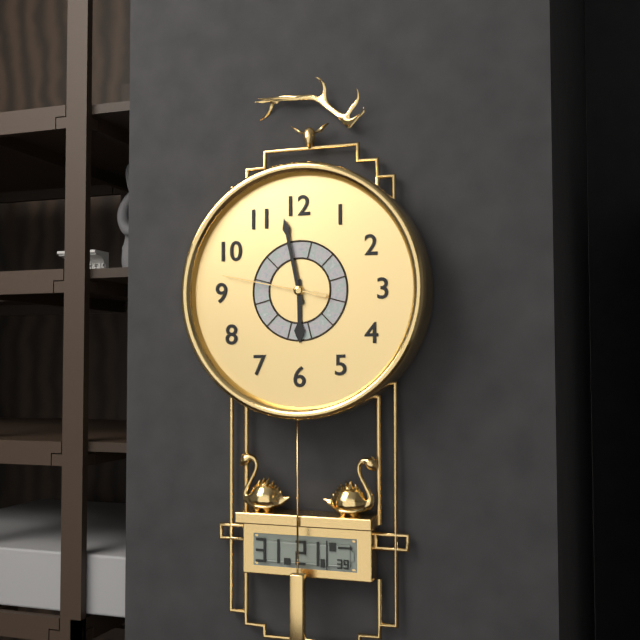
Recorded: 5 h 58 min 47 s
